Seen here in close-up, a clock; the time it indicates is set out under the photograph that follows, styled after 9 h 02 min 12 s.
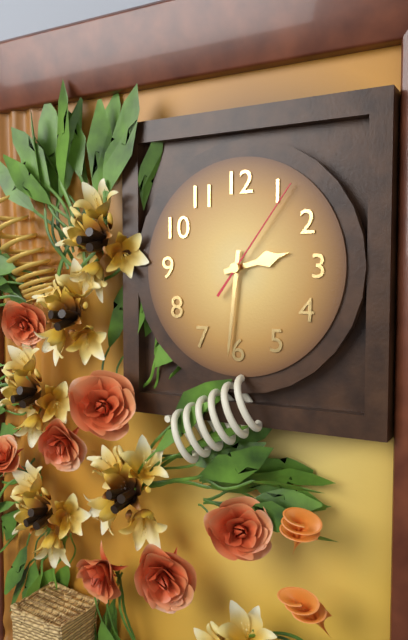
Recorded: 2 h 31 min 06 s
